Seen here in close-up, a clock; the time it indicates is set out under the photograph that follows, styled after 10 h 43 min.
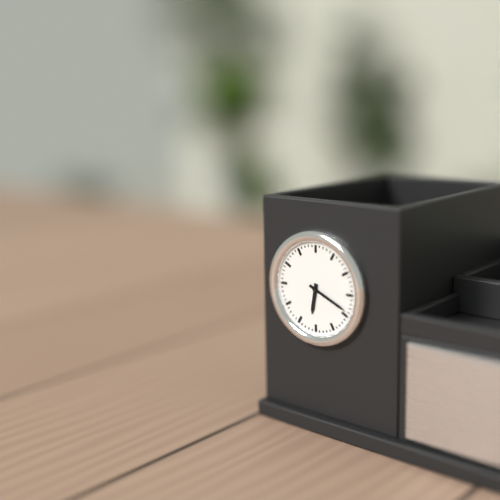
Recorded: 6 h 19 min
